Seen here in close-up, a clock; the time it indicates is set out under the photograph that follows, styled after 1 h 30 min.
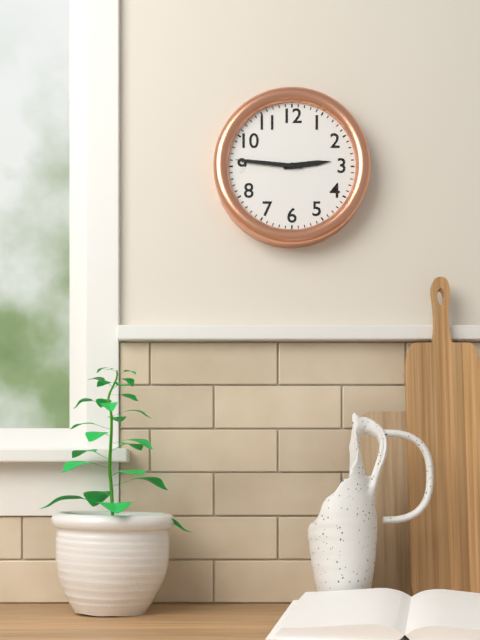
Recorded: 2 h 46 min
